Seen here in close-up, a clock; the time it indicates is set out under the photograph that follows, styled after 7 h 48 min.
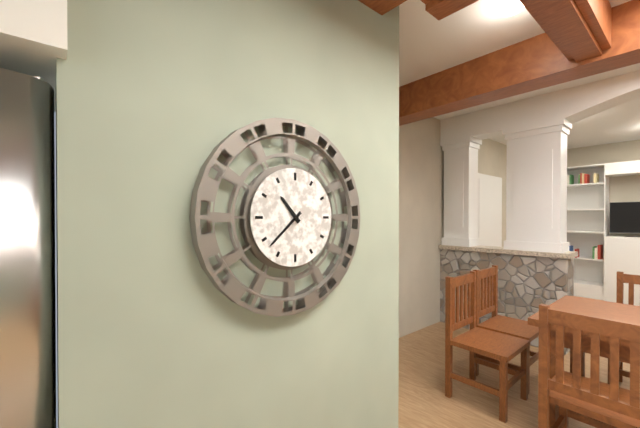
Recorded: 10 h 38 min
